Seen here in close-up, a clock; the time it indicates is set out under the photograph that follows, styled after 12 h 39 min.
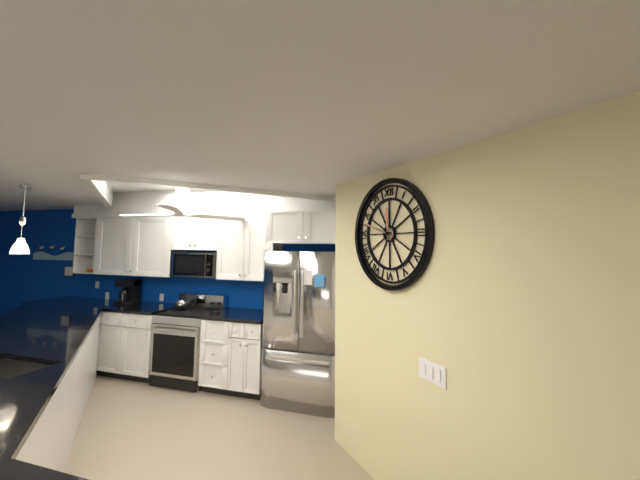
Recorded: 11 h 48 min
